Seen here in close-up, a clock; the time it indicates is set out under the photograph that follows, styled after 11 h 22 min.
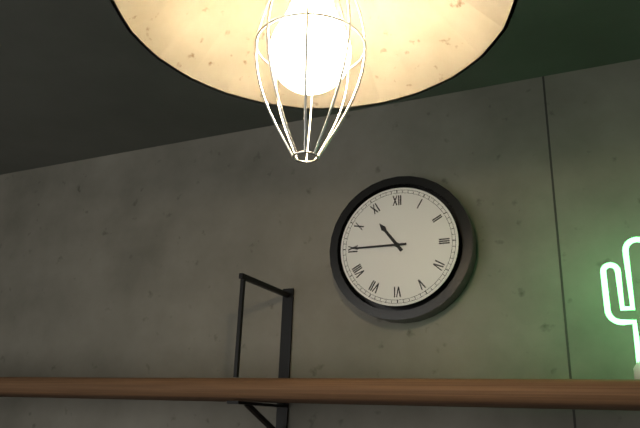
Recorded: 10 h 45 min
